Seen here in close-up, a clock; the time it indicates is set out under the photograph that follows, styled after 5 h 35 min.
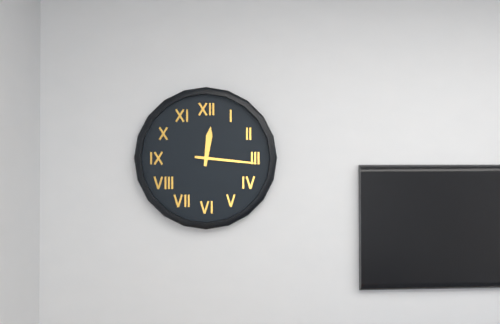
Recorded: 12 h 16 min
